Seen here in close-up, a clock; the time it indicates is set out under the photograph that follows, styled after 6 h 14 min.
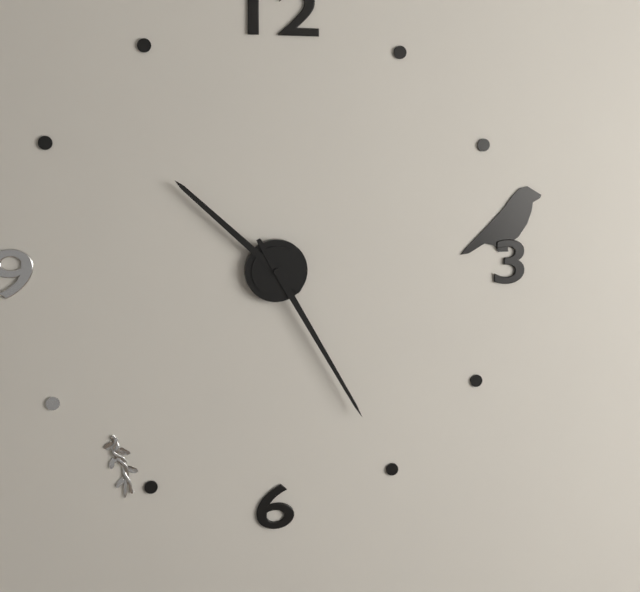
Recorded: 10 h 25 min
